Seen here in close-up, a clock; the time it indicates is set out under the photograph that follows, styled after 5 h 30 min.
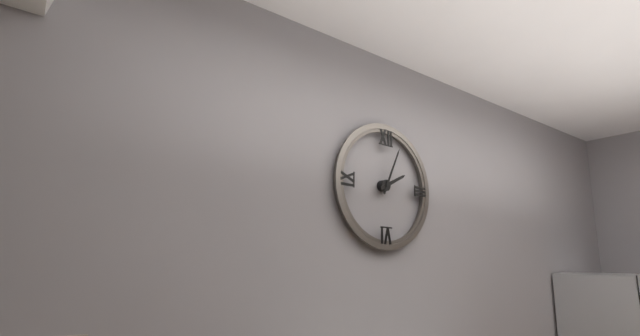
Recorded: 2 h 04 min
